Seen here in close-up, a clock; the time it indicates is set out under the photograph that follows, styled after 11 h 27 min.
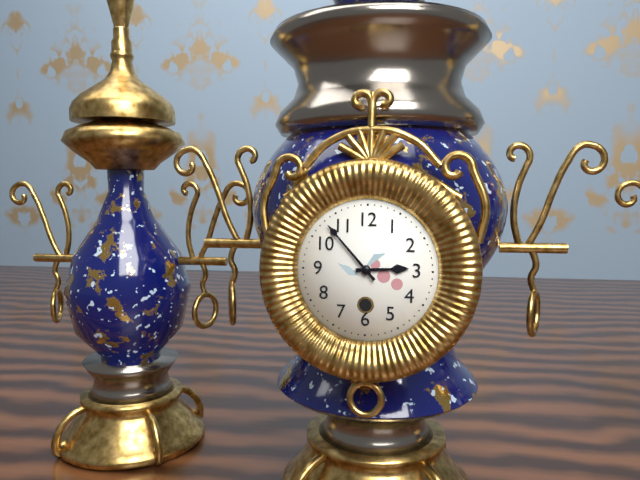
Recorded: 2 h 53 min
